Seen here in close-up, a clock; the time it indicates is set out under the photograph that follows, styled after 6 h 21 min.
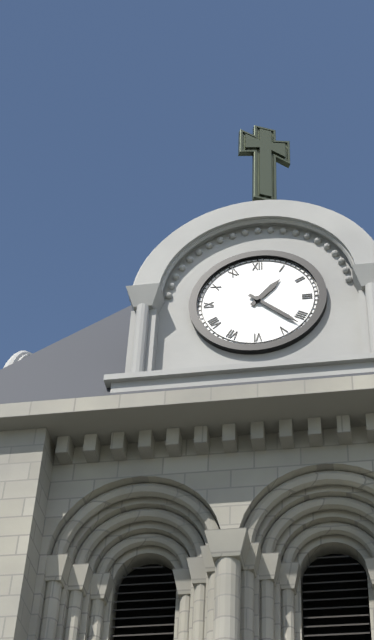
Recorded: 1 h 22 min
